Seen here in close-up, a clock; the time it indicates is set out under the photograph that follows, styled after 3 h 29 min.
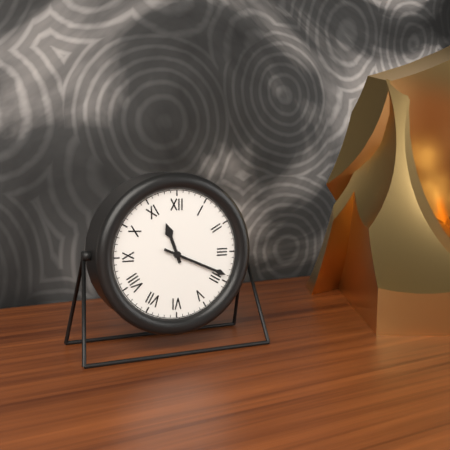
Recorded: 11 h 19 min
